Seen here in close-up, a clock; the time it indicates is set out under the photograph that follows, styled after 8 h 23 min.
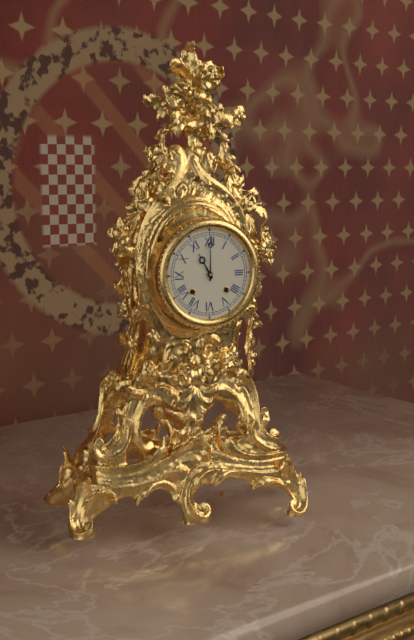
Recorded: 11 h 00 min
